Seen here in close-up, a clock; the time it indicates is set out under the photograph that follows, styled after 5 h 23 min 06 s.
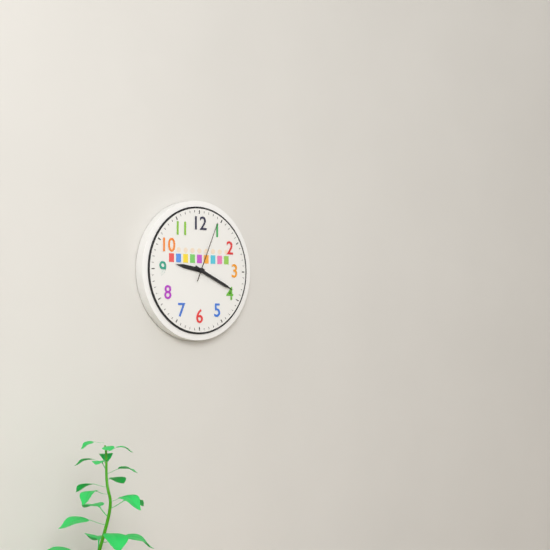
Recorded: 9 h 19 min 04 s
